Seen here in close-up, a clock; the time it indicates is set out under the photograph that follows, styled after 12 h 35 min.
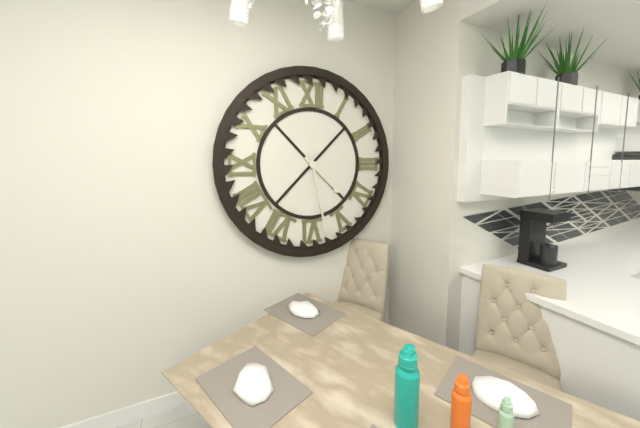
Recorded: 4 h 28 min
